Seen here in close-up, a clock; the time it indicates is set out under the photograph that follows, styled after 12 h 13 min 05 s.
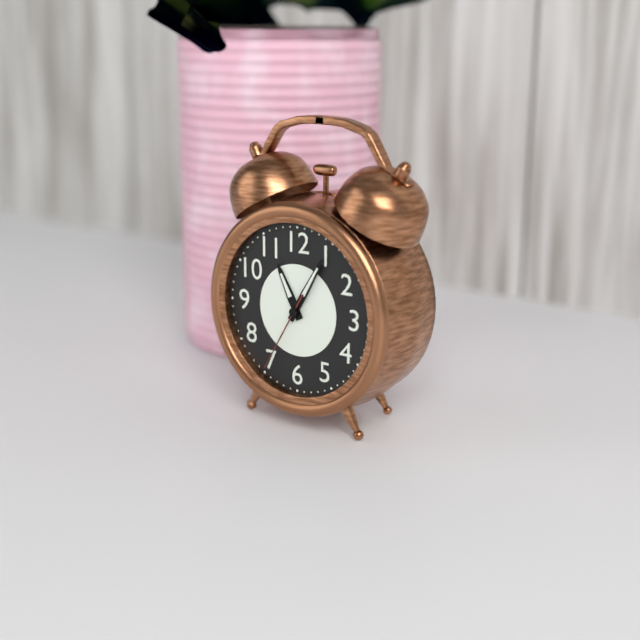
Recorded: 11 h 05 min 35 s
